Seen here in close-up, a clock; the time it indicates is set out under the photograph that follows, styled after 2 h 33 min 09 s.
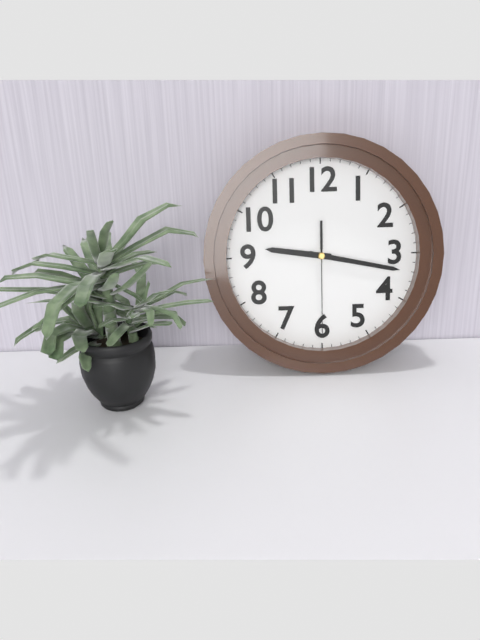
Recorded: 9 h 17 min 30 s
